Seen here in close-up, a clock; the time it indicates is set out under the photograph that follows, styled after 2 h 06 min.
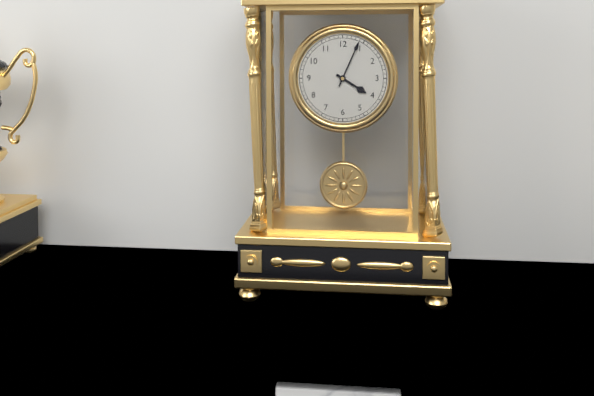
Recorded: 4 h 04 min
